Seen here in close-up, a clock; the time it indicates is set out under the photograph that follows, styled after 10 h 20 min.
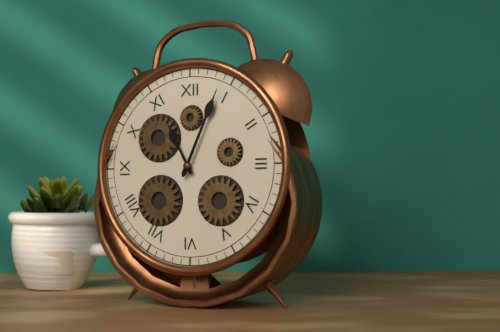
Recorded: 11 h 04 min
